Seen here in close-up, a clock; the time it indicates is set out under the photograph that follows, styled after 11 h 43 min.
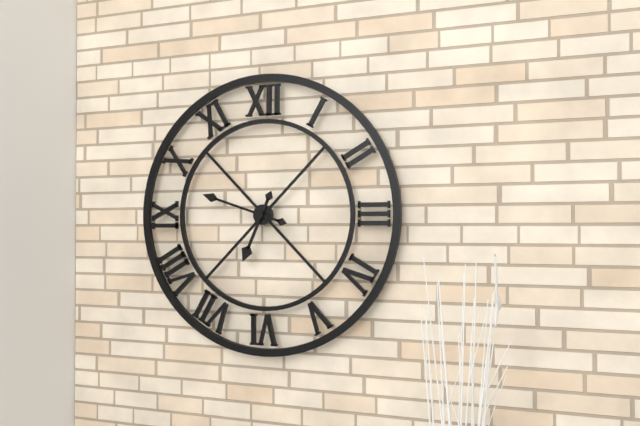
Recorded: 6 h 48 min
